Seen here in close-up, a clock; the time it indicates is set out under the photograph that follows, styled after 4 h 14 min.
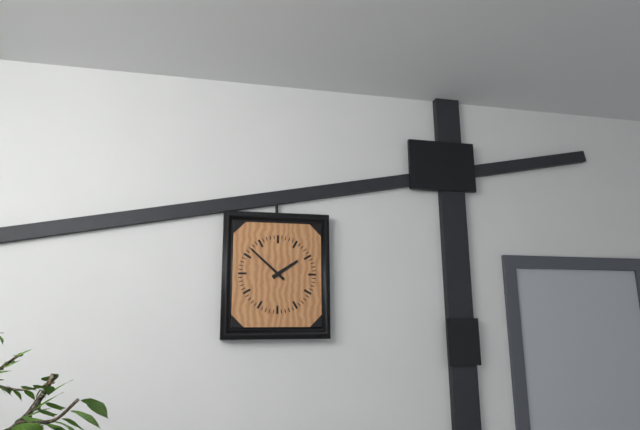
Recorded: 1 h 52 min
